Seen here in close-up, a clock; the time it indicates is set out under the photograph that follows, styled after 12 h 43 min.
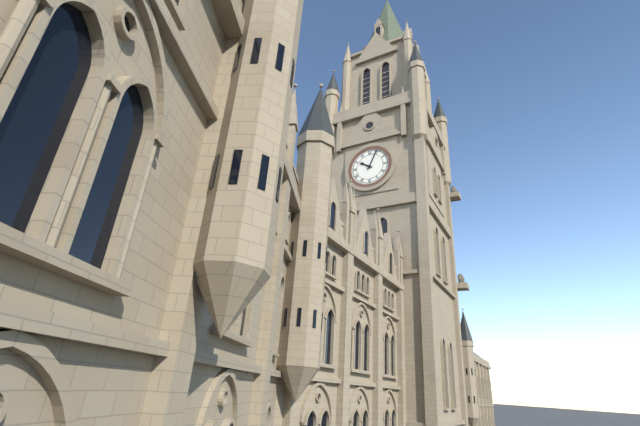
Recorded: 10 h 04 min
